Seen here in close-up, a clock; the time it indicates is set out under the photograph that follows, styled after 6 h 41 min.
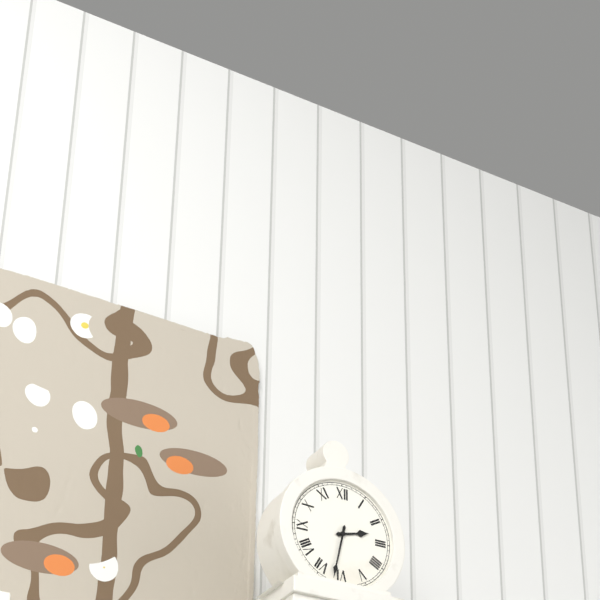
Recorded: 2 h 32 min
